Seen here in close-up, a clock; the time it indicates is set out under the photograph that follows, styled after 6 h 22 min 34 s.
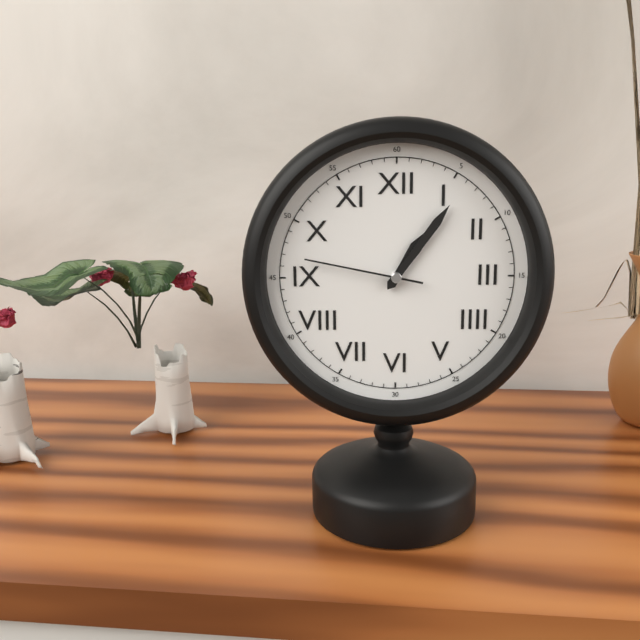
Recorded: 1 h 06 min 47 s
